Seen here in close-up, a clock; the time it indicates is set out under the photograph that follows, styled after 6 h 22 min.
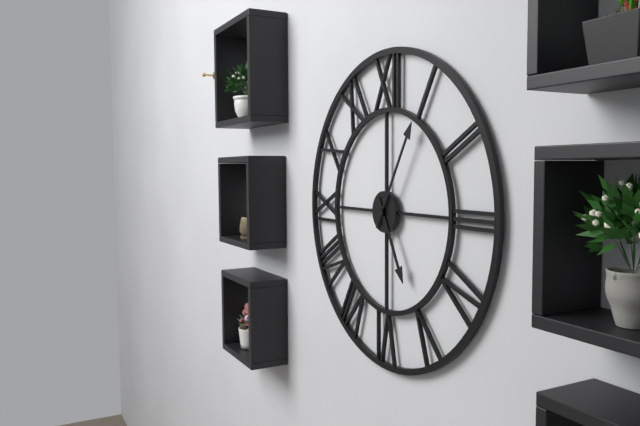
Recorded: 5 h 05 min
